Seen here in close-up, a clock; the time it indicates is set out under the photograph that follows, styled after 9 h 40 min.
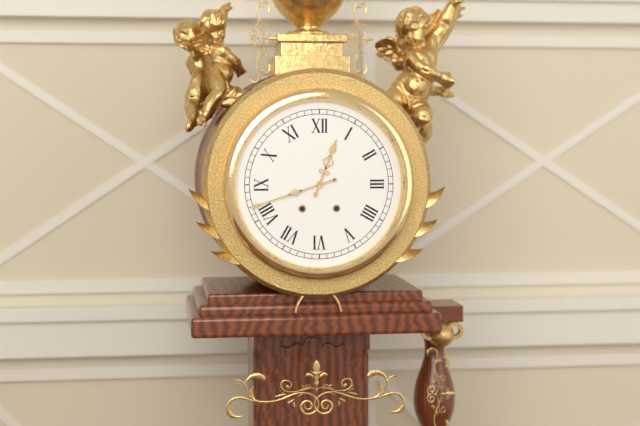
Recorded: 12 h 42 min
